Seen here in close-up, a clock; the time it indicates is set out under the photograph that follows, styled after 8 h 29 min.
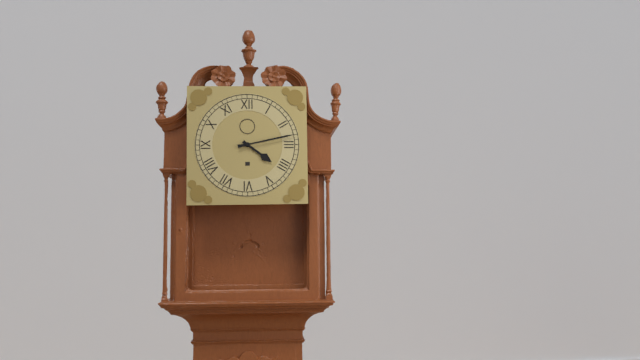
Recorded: 4 h 13 min
